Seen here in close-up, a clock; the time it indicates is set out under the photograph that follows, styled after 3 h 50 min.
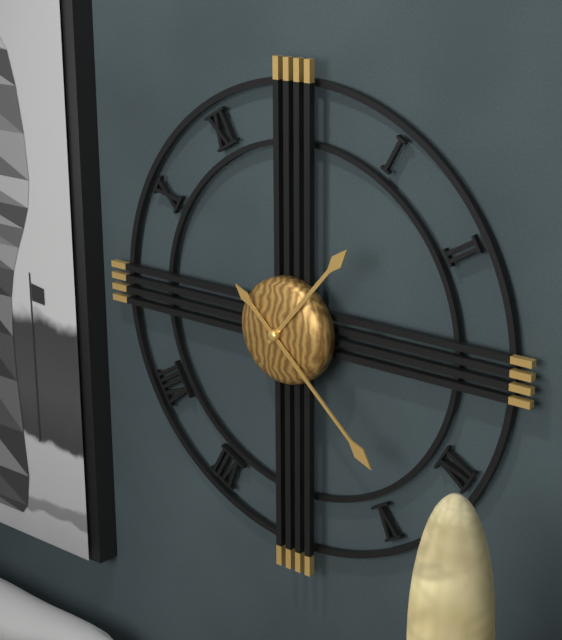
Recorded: 1 h 22 min
